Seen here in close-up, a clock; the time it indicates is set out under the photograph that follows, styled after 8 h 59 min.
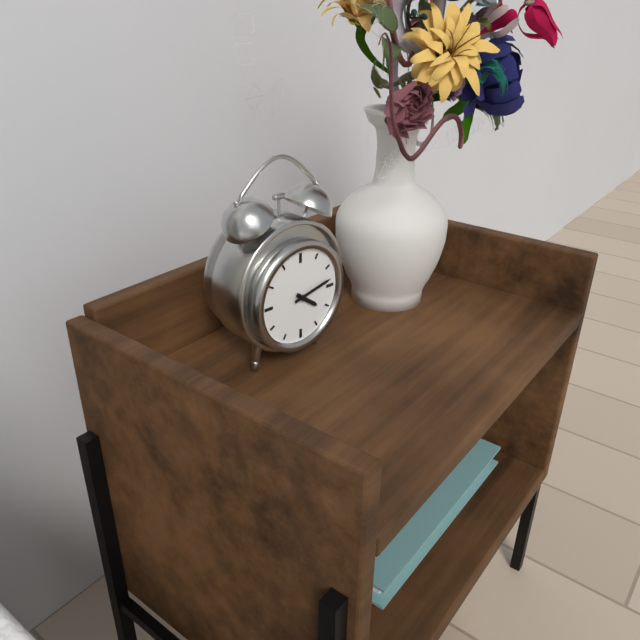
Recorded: 4 h 13 min
